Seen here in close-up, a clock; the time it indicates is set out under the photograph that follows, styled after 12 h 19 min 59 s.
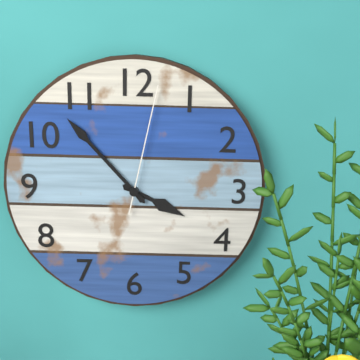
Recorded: 3 h 53 min 02 s
